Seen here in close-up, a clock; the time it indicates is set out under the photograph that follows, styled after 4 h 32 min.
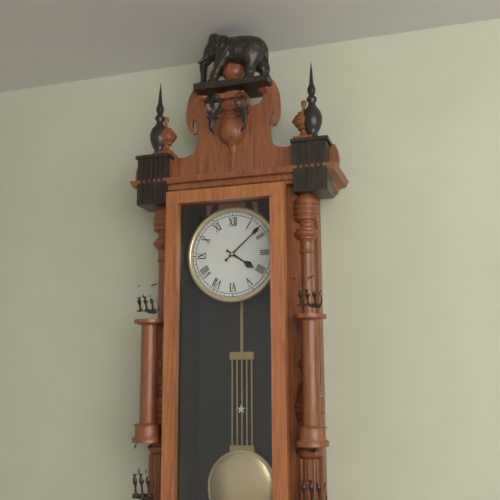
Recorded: 4 h 08 min
